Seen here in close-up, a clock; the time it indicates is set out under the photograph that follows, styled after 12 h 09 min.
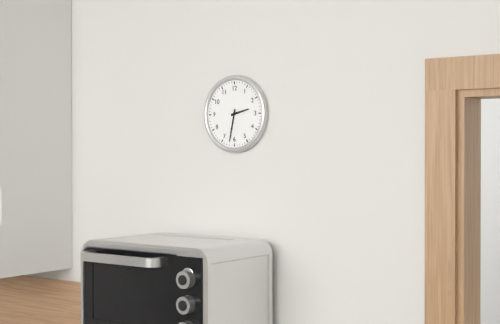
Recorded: 2 h 32 min
